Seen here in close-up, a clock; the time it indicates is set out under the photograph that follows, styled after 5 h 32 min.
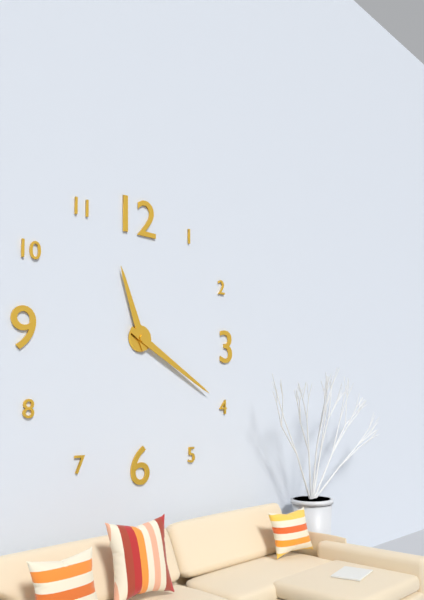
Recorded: 11 h 20 min
